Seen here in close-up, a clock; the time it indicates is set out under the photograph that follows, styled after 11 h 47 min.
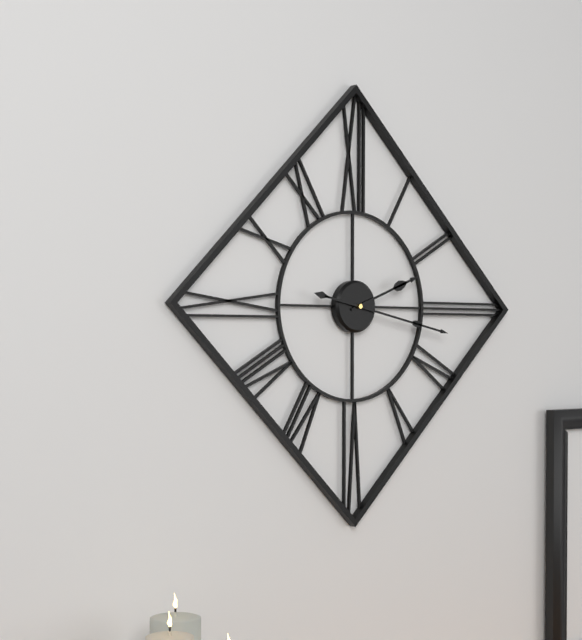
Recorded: 2 h 17 min
